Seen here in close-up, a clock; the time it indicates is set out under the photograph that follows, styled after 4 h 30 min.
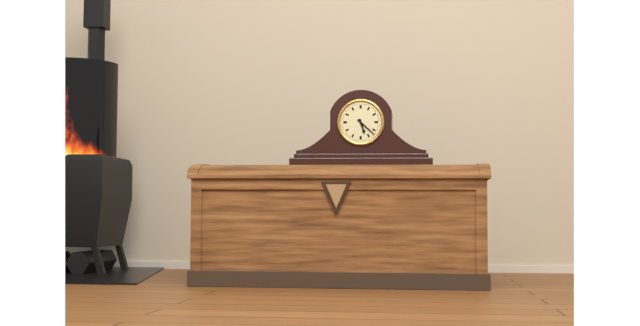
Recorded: 5 h 22 min
